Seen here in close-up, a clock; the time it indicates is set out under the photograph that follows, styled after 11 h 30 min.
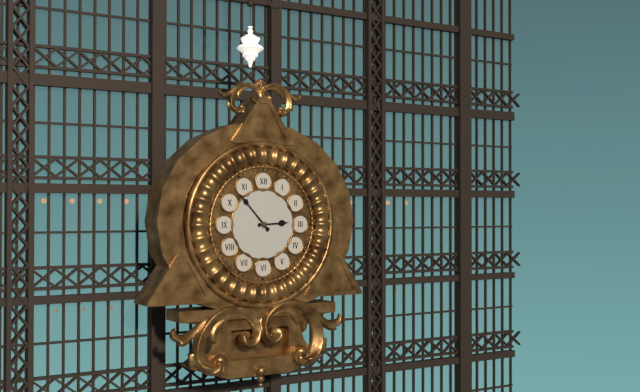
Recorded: 2 h 53 min
